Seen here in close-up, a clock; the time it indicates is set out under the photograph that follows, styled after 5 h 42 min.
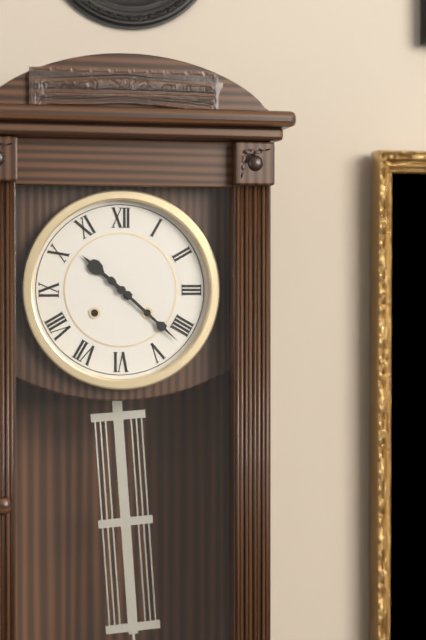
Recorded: 10 h 22 min
